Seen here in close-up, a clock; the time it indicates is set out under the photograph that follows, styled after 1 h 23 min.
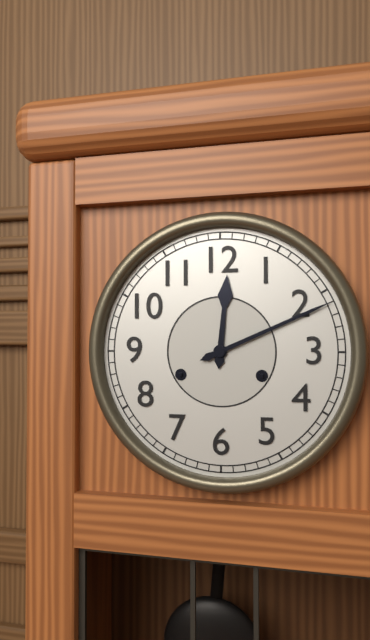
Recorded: 12 h 11 min
